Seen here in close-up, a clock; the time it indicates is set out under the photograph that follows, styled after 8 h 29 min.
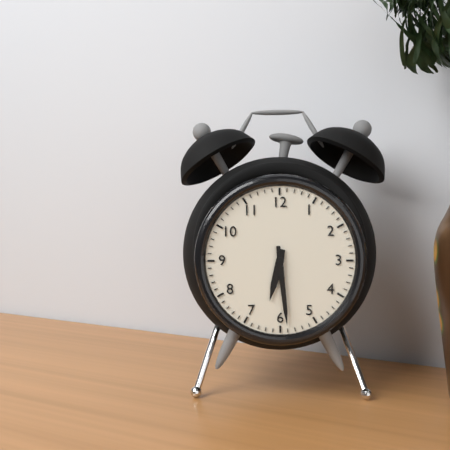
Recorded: 6 h 29 min
